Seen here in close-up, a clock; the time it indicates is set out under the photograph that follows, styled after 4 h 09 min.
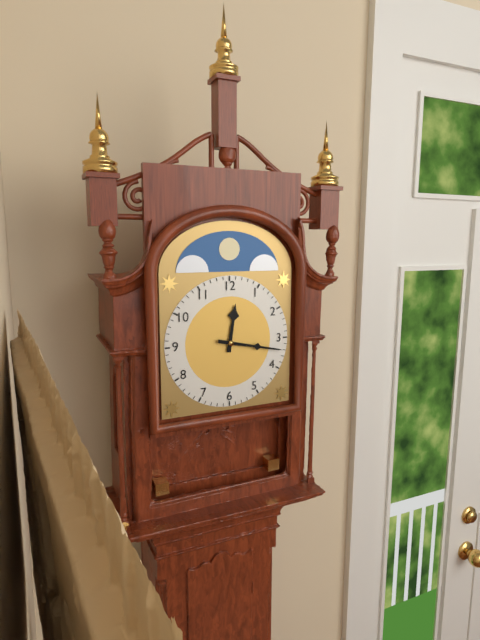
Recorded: 12 h 17 min
